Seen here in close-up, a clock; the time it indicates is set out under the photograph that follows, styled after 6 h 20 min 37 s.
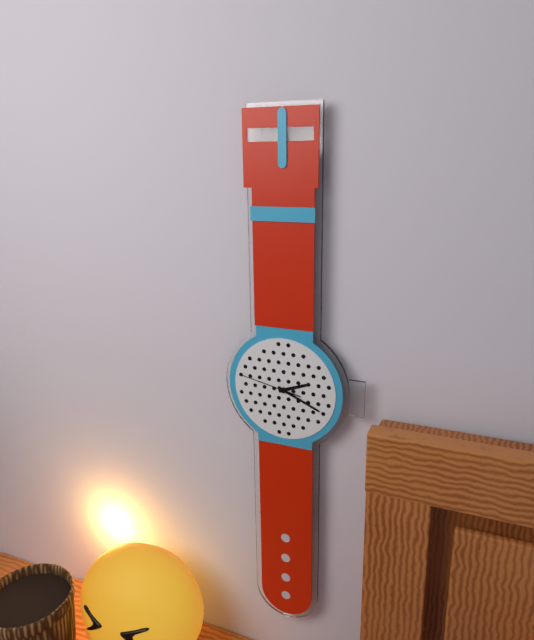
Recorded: 2 h 19 min 47 s
